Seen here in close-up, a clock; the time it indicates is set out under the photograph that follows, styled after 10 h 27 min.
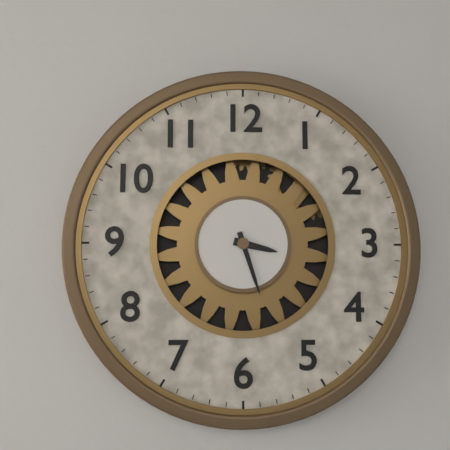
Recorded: 3 h 27 min
